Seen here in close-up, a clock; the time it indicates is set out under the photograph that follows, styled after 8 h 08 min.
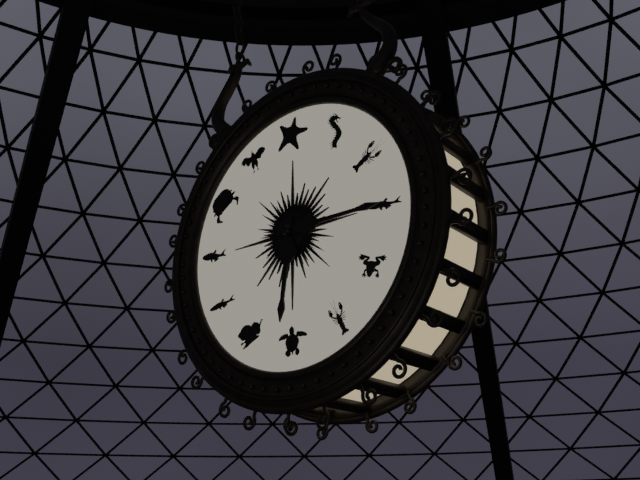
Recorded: 6 h 15 min
